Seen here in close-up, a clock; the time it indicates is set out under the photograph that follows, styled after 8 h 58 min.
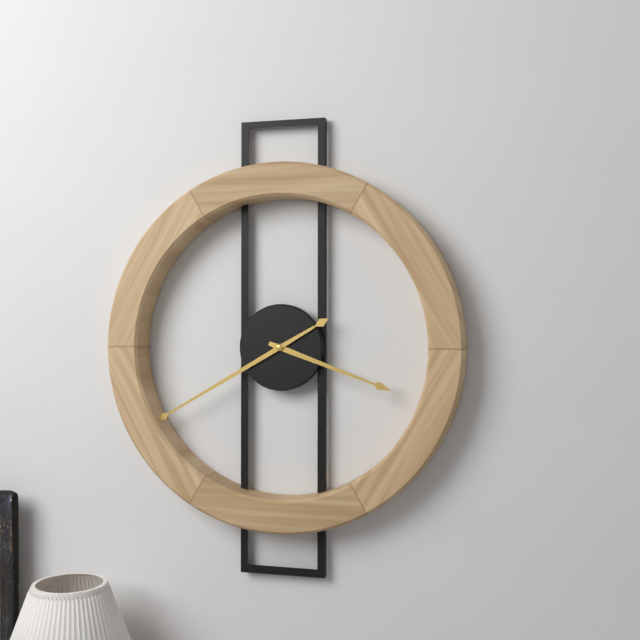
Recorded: 3 h 40 min
